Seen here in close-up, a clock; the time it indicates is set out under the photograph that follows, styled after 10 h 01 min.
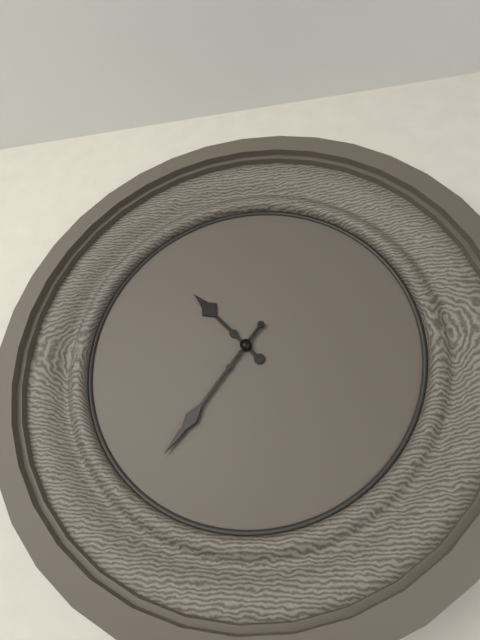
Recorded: 10 h 36 min
